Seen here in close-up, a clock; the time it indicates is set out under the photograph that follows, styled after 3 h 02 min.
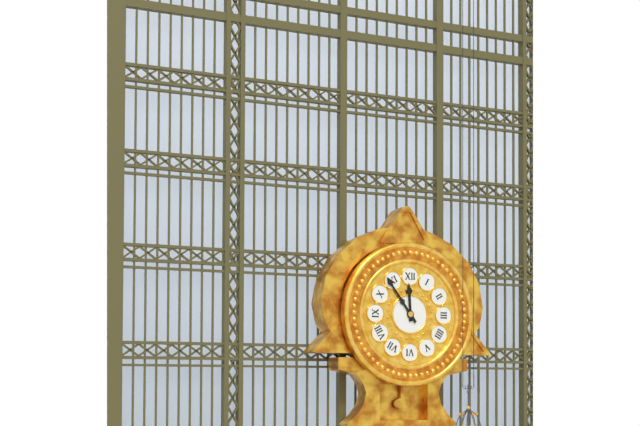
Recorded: 11 h 54 min
